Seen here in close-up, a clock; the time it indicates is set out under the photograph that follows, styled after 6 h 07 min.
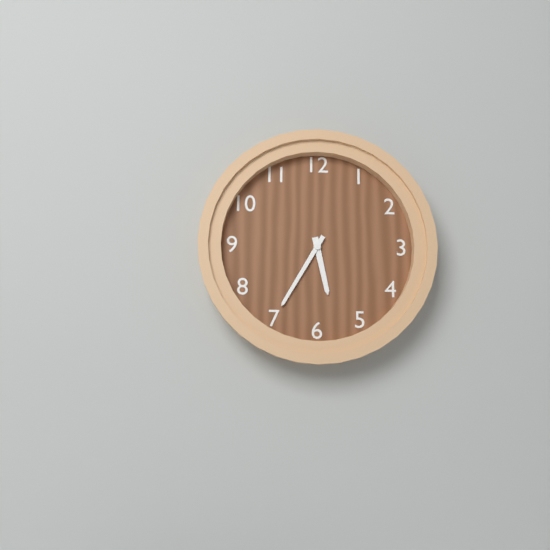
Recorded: 5 h 35 min
